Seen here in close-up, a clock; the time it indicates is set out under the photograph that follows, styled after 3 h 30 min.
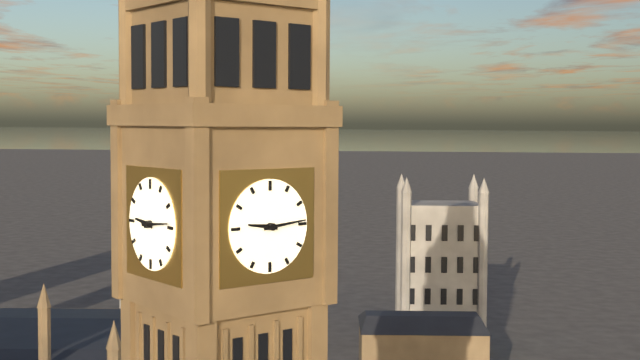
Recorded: 9 h 14 min
